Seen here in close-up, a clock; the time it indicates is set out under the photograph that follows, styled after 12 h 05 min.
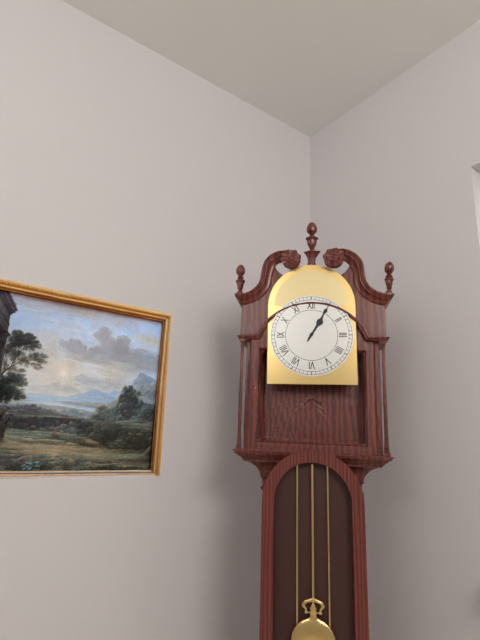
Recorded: 1 h 05 min
